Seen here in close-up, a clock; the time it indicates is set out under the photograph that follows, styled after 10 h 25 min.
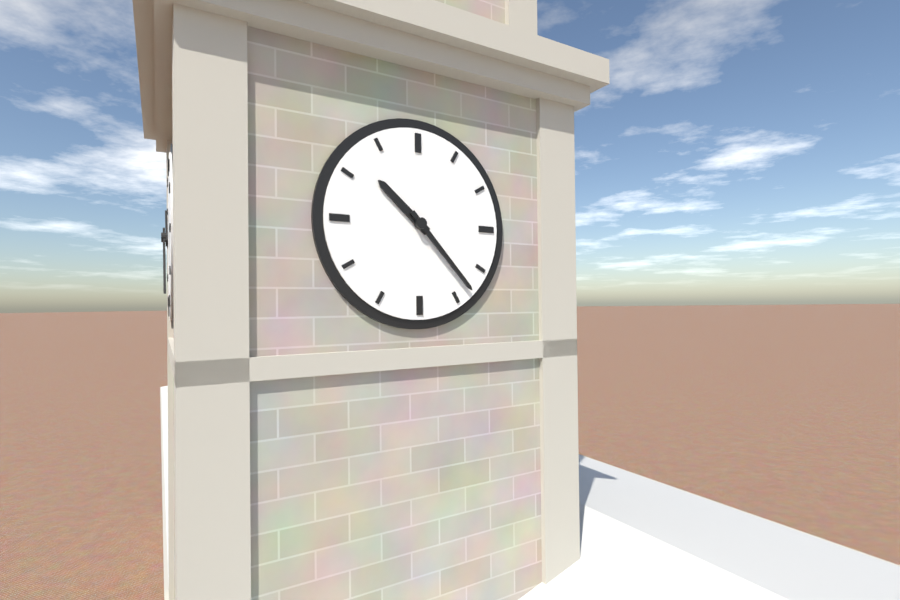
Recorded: 10 h 23 min
